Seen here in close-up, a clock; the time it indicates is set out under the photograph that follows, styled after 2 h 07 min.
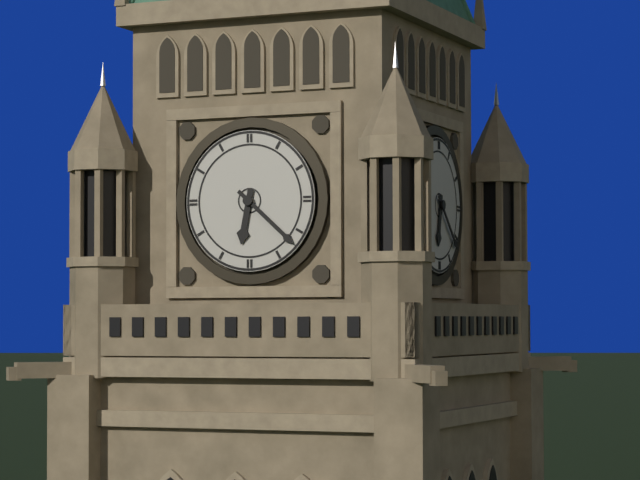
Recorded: 6 h 22 min
